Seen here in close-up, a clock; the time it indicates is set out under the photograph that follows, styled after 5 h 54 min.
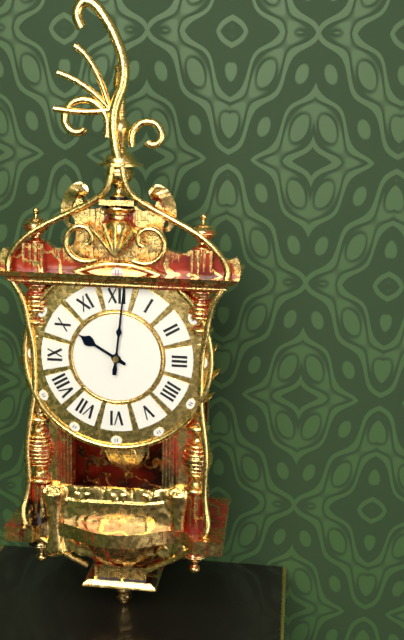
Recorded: 10 h 01 min
